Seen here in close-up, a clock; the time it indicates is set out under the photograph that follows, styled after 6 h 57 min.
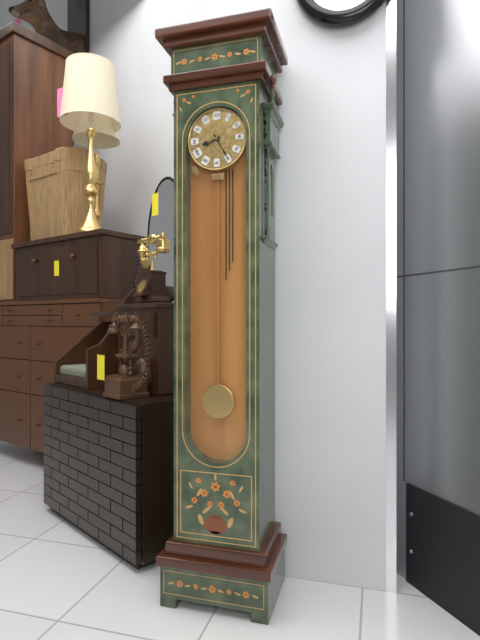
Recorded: 8 h 25 min
